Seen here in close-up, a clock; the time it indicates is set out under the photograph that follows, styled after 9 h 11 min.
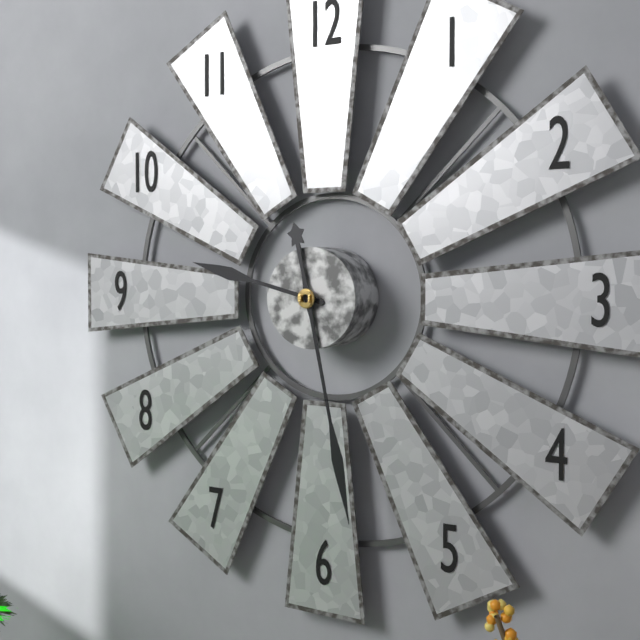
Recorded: 9 h 28 min
